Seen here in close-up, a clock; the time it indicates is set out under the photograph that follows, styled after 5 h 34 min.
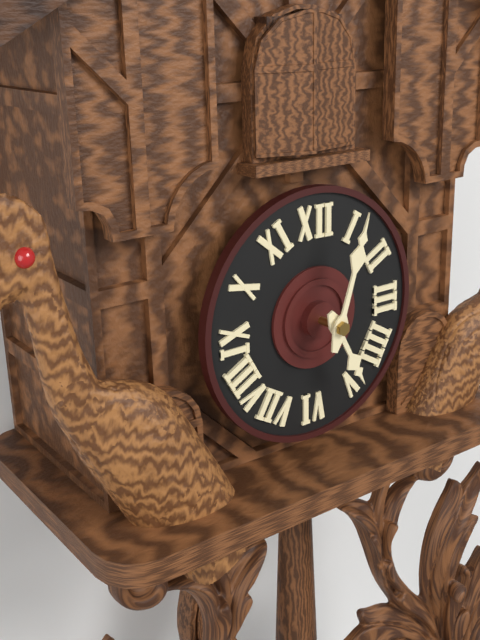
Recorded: 5 h 03 min
